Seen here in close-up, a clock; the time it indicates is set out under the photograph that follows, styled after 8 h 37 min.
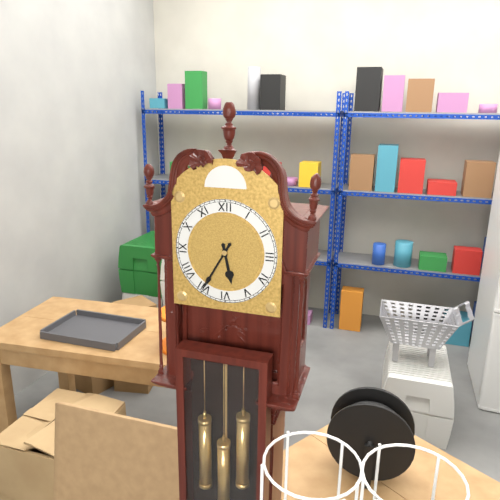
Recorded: 5 h 35 min
